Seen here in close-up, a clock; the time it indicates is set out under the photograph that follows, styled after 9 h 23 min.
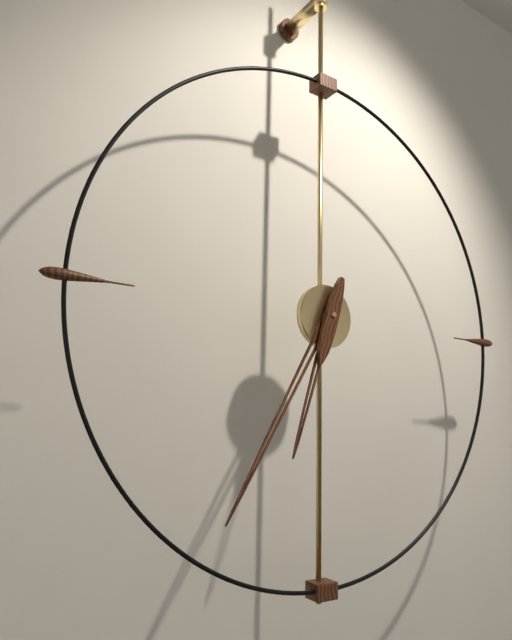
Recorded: 6 h 35 min
